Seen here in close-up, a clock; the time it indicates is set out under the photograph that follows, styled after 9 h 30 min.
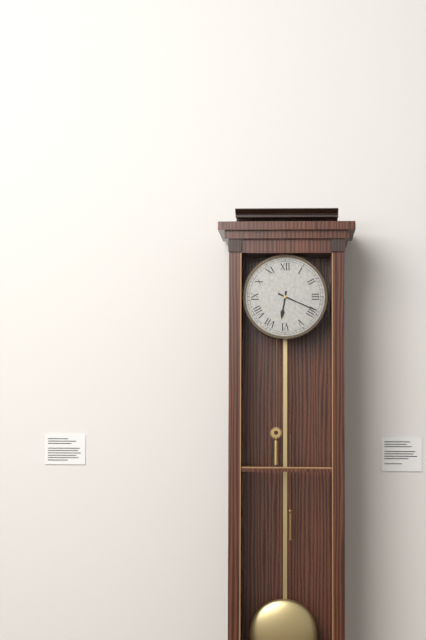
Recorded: 6 h 19 min
